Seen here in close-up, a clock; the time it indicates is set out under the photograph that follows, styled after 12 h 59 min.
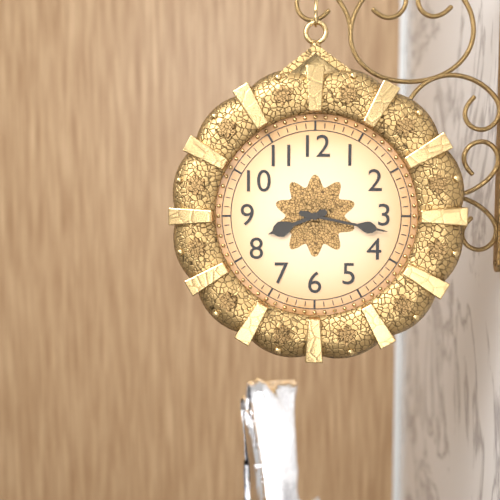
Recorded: 8 h 17 min
